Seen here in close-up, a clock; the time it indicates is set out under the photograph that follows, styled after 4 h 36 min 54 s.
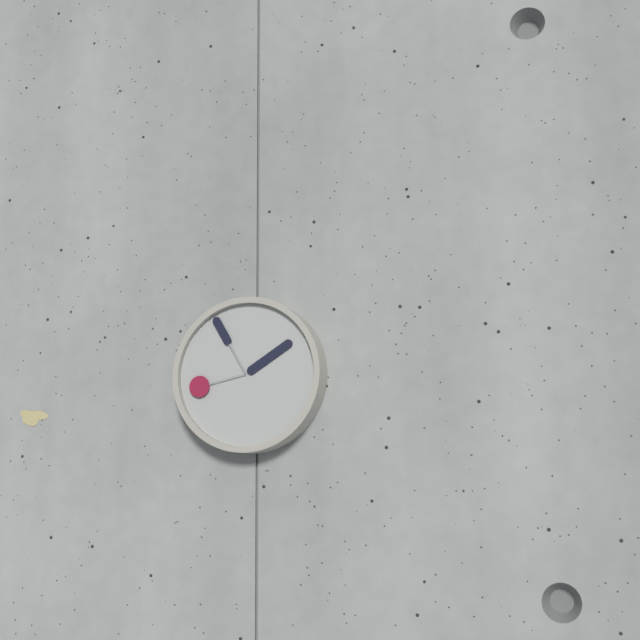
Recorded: 1 h 55 min 43 s
